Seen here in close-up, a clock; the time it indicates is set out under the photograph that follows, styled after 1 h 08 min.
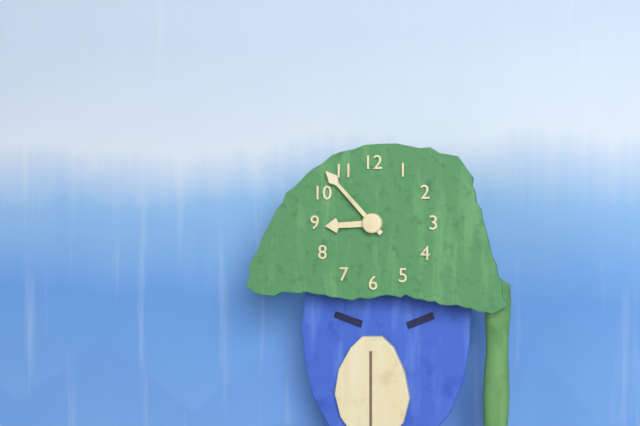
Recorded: 8 h 53 min
